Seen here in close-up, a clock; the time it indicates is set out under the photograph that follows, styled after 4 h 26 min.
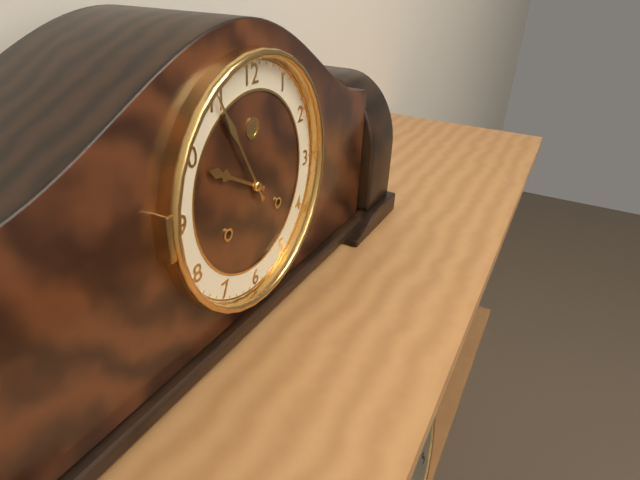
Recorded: 9 h 55 min
